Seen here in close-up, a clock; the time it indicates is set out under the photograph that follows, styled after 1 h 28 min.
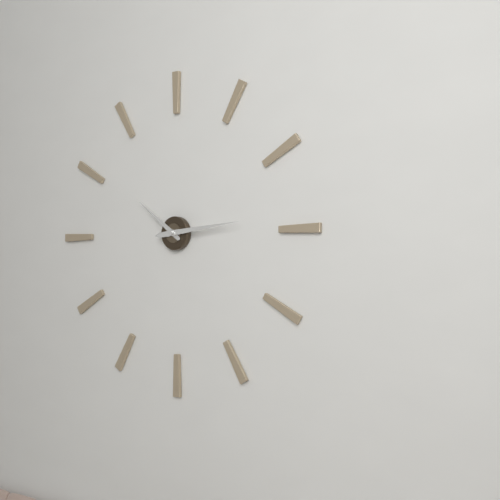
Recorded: 10 h 14 min
